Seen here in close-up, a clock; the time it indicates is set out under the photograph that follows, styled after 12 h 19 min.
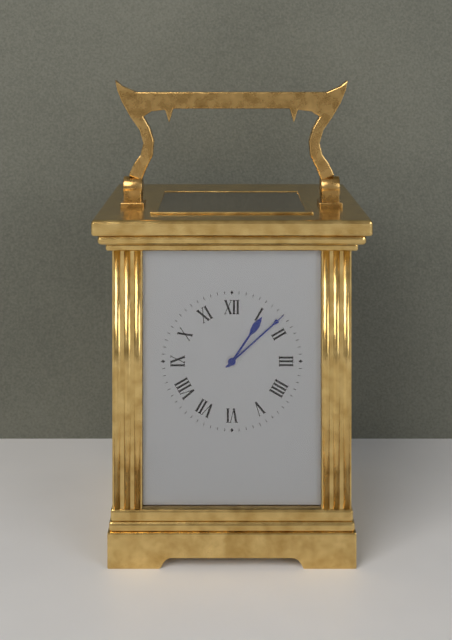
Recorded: 1 h 08 min
